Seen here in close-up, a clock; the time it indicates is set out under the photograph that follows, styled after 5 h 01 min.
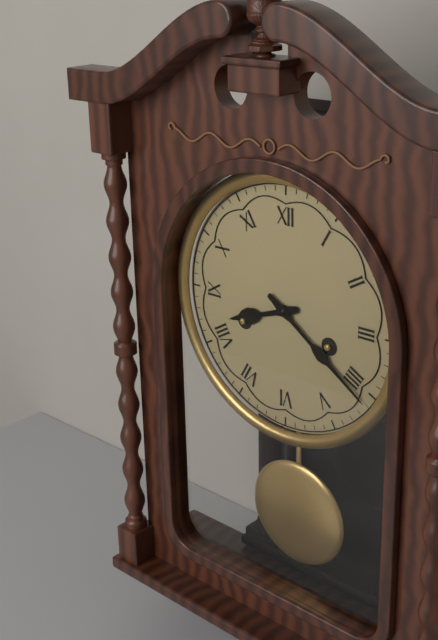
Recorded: 8 h 21 min
